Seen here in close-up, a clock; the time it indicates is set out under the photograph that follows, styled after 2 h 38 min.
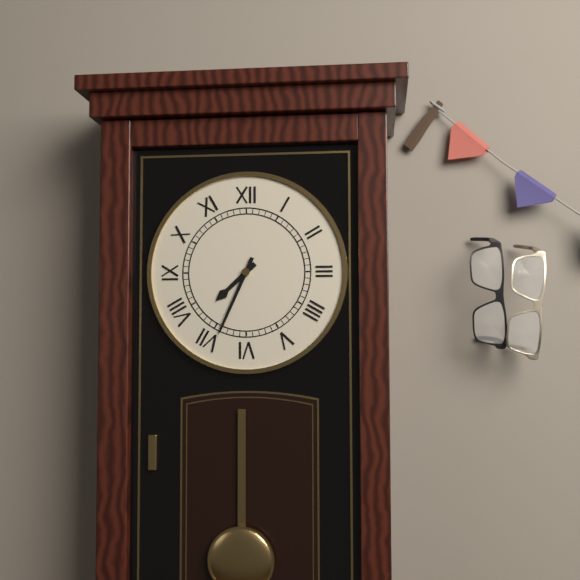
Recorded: 7 h 34 min
